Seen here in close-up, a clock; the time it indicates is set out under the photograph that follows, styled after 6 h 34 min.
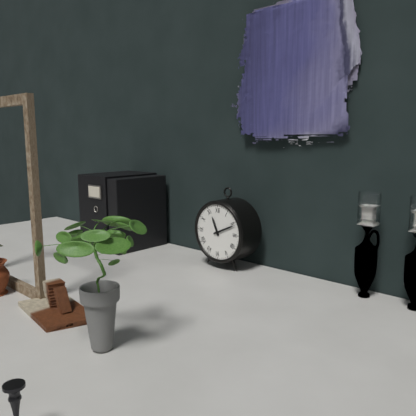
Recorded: 11 h 11 min
